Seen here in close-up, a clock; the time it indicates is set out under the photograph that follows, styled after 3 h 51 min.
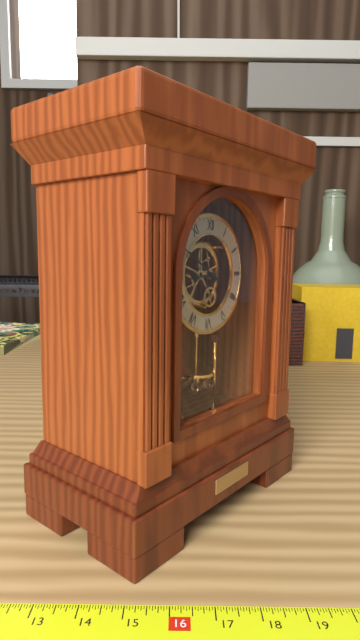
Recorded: 8 h 50 min
